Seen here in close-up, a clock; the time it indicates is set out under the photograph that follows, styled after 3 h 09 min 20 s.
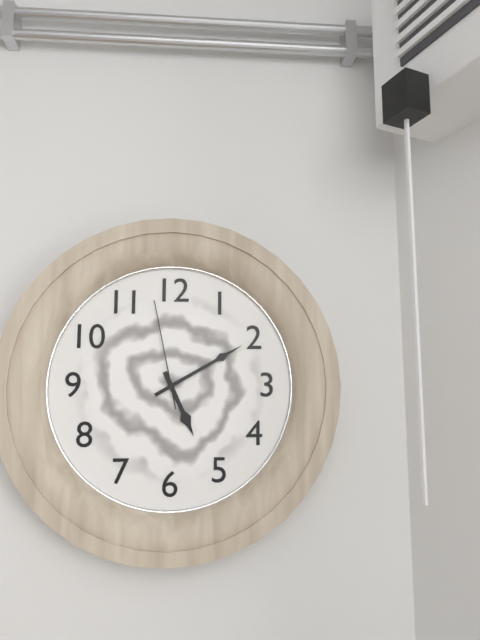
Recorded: 5 h 10 min 58 s
